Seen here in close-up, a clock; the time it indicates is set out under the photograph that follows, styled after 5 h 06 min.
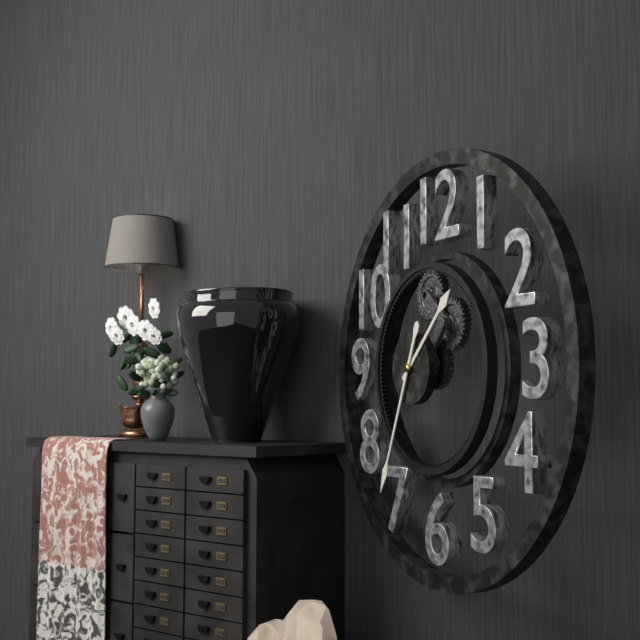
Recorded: 1 h 34 min
